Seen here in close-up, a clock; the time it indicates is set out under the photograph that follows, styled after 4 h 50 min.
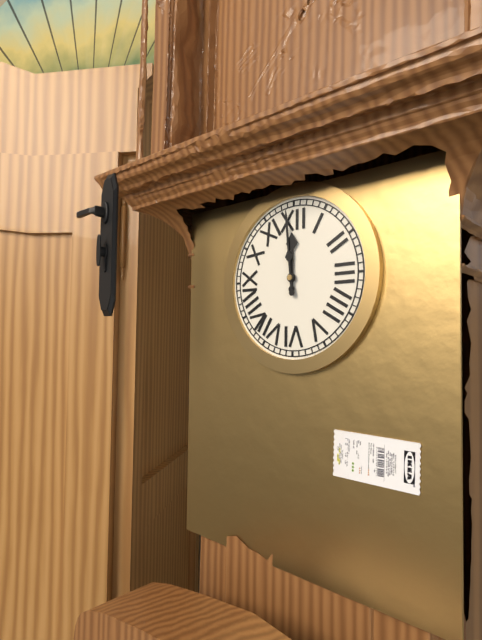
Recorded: 11 h 59 min
